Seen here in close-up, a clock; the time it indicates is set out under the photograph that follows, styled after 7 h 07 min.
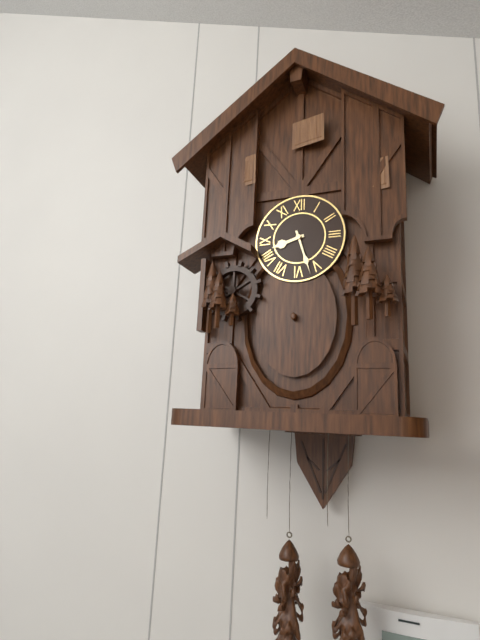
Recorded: 8 h 27 min
